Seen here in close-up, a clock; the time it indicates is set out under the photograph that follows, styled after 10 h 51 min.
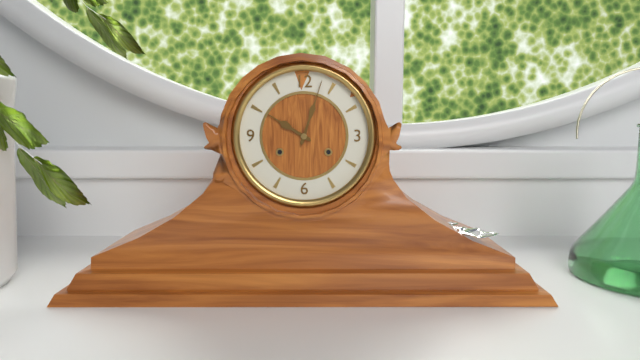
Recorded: 10 h 03 min
